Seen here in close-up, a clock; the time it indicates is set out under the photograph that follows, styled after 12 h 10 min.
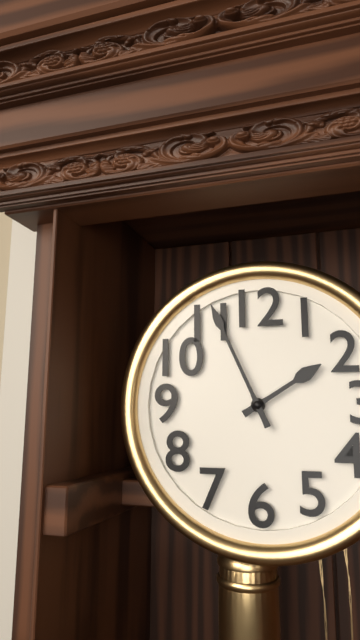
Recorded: 1 h 56 min
